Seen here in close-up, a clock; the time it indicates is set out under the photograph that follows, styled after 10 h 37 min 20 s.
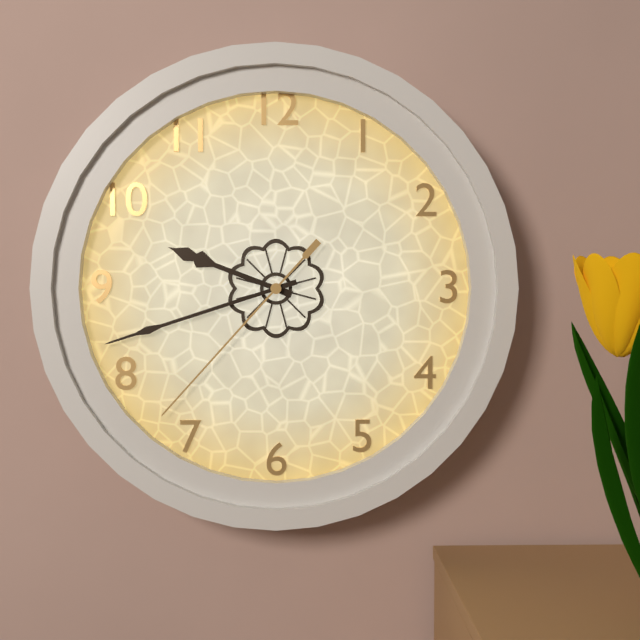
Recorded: 9 h 42 min 37 s
